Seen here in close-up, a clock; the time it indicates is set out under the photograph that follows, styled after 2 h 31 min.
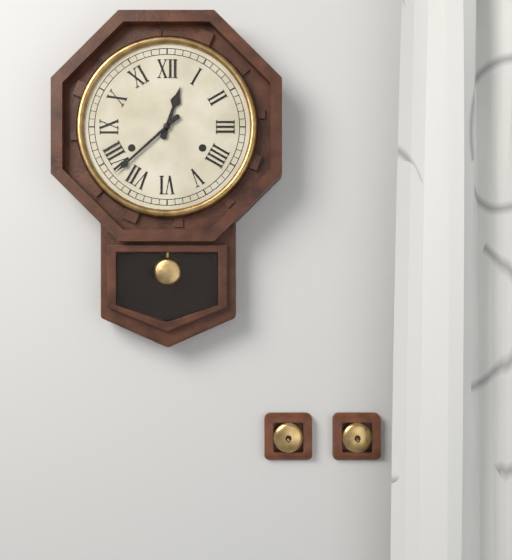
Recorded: 12 h 38 min
